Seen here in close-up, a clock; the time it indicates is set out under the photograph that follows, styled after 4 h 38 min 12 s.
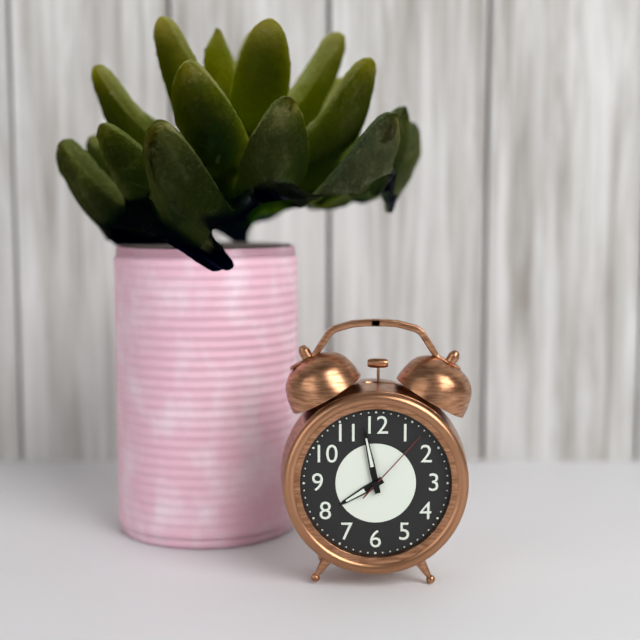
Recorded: 7 h 58 min 07 s
